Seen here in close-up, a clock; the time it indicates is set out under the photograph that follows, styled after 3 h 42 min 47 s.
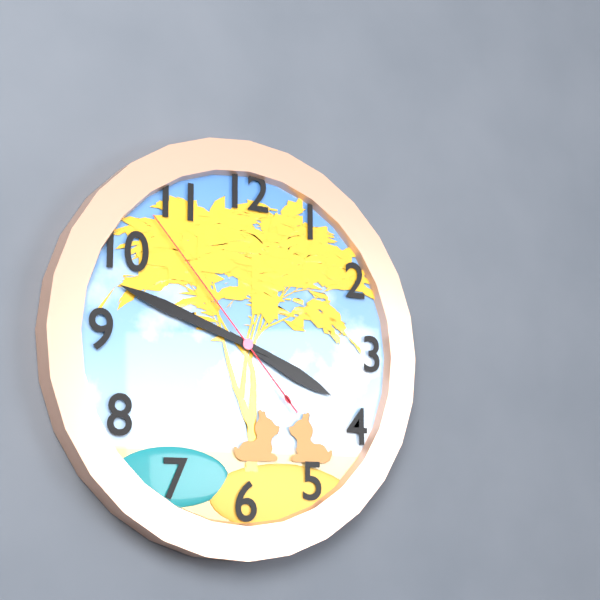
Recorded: 3 h 48 min 53 s
